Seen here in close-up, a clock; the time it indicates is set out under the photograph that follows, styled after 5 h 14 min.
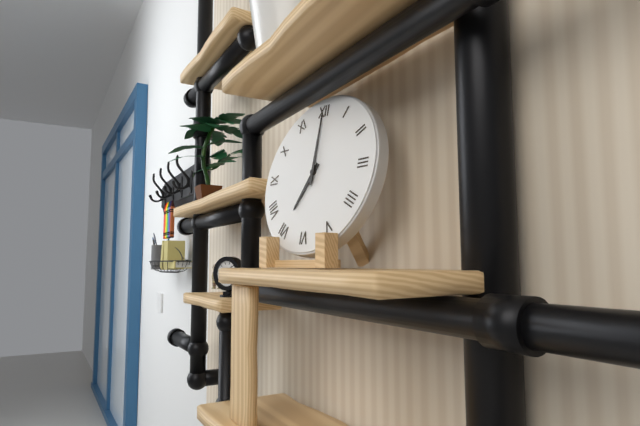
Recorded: 7 h 00 min
